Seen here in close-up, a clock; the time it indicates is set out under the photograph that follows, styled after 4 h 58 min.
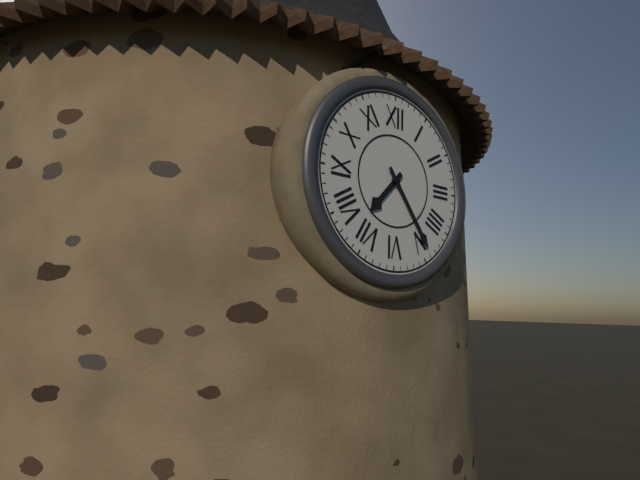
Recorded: 7 h 24 min
